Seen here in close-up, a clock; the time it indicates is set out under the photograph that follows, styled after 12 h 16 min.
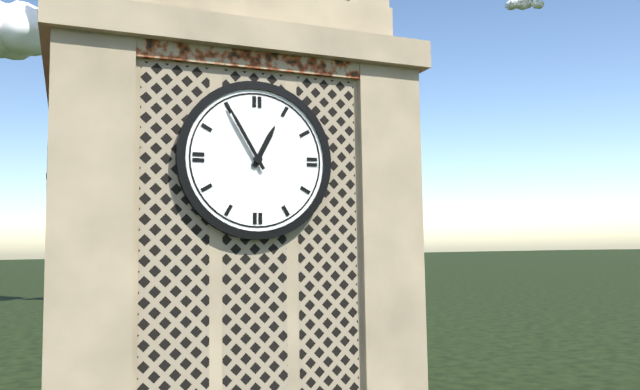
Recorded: 12 h 55 min
